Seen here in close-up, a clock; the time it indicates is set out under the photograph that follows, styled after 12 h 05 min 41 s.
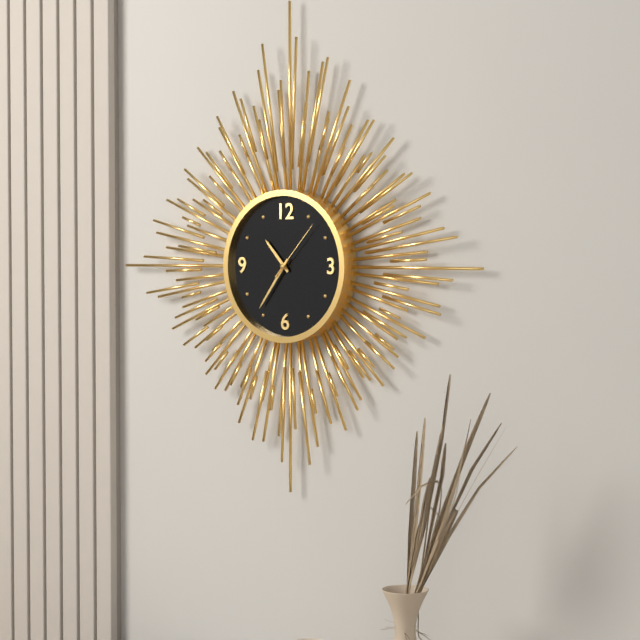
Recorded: 10 h 36 min 07 s
